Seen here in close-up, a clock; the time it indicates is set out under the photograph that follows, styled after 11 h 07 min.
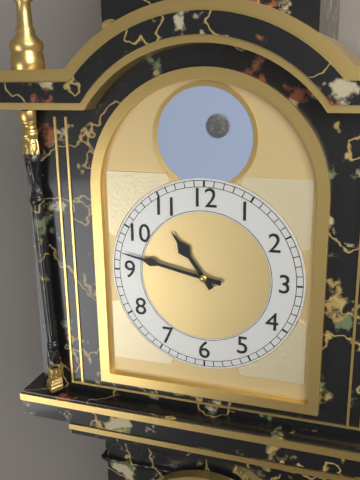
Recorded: 10 h 47 min
